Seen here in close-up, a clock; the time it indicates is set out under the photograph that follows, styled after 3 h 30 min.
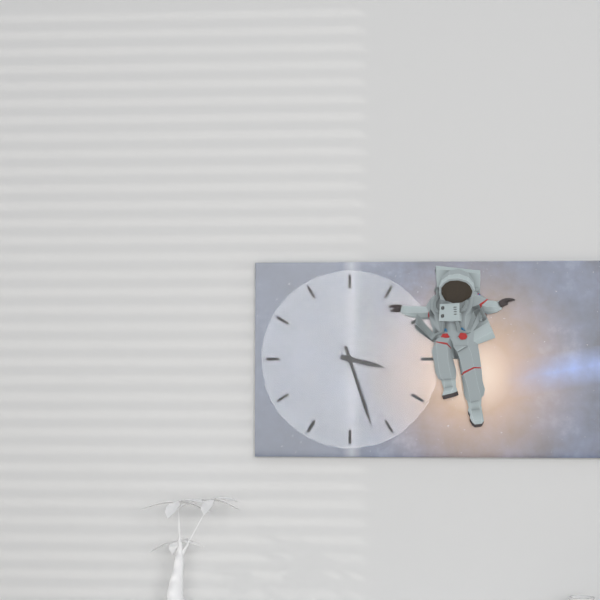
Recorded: 3 h 27 min
